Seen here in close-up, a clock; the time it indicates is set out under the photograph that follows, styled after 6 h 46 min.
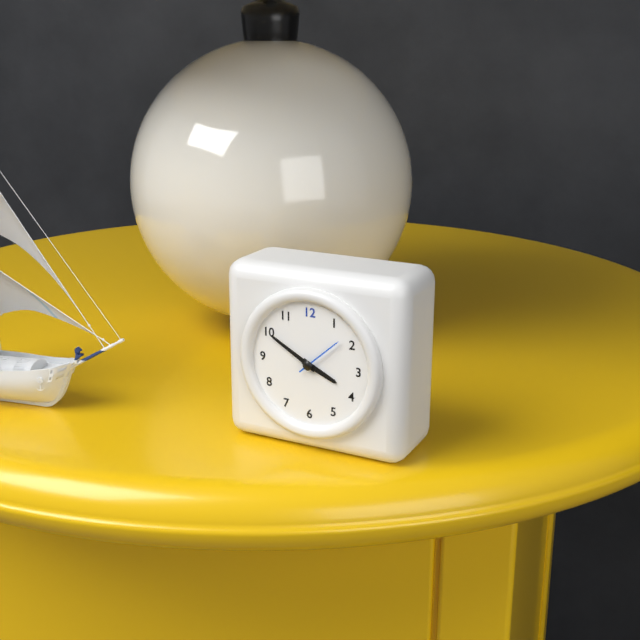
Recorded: 3 h 50 min
